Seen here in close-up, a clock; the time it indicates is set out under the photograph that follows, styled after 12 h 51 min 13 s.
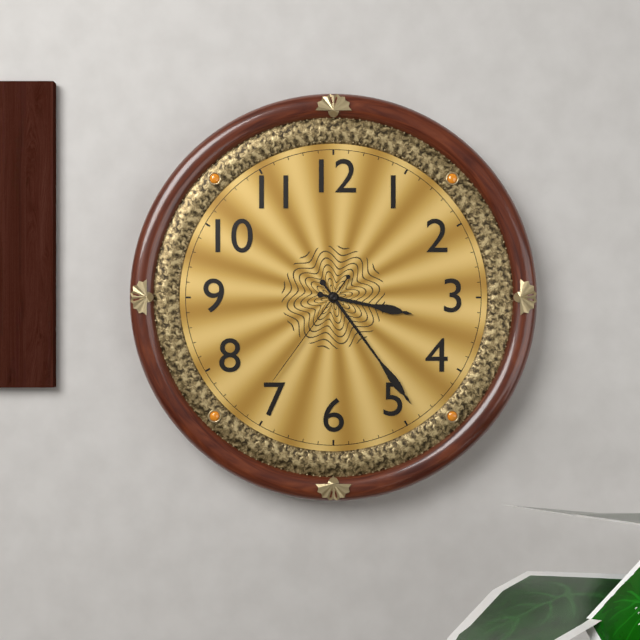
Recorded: 3 h 24 min 36 s
